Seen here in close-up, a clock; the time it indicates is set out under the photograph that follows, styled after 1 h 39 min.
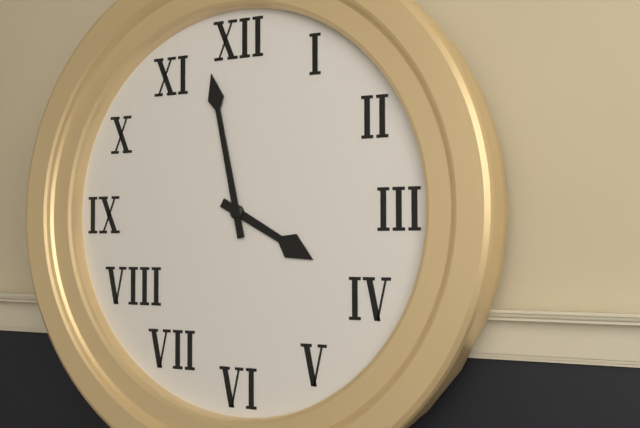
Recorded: 3 h 58 min
